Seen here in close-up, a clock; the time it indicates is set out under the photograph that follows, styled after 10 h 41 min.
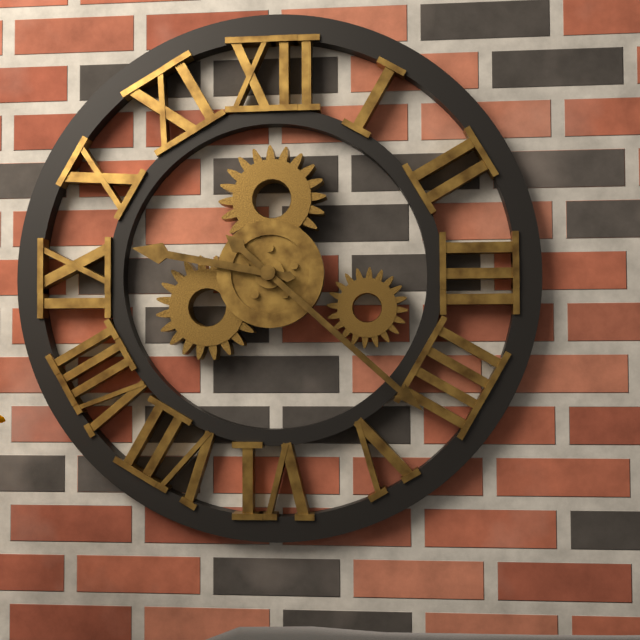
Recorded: 9 h 22 min
